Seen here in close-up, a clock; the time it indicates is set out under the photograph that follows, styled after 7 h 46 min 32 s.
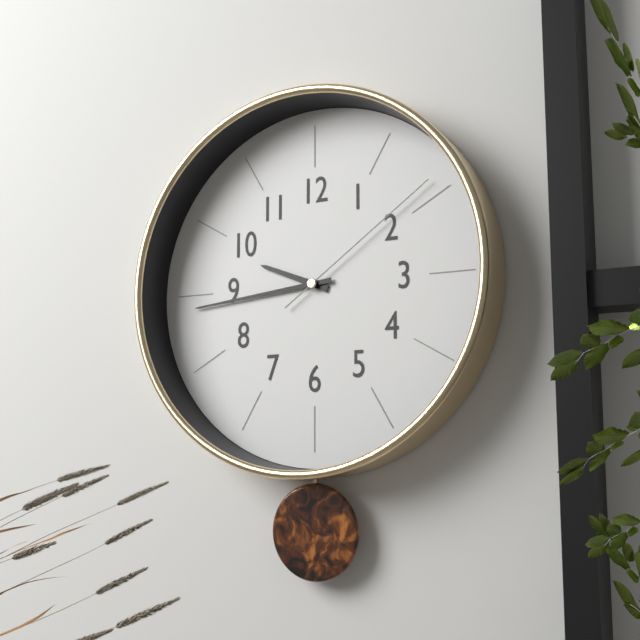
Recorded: 9 h 44 min 09 s
